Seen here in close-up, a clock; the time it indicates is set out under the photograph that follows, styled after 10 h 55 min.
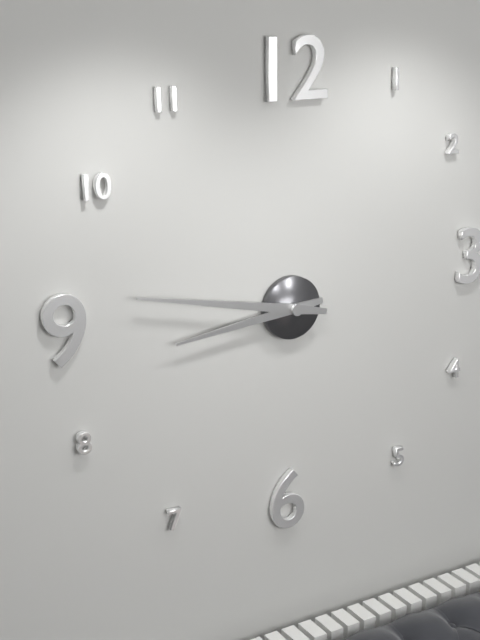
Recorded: 8 h 47 min
